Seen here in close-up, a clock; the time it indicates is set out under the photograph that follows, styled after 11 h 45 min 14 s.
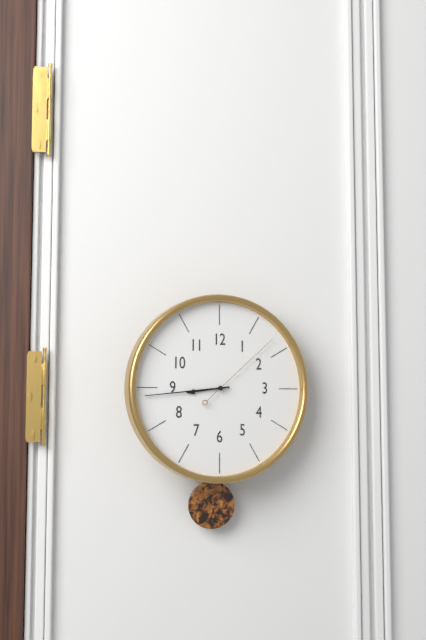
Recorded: 8 h 44 min 08 s
